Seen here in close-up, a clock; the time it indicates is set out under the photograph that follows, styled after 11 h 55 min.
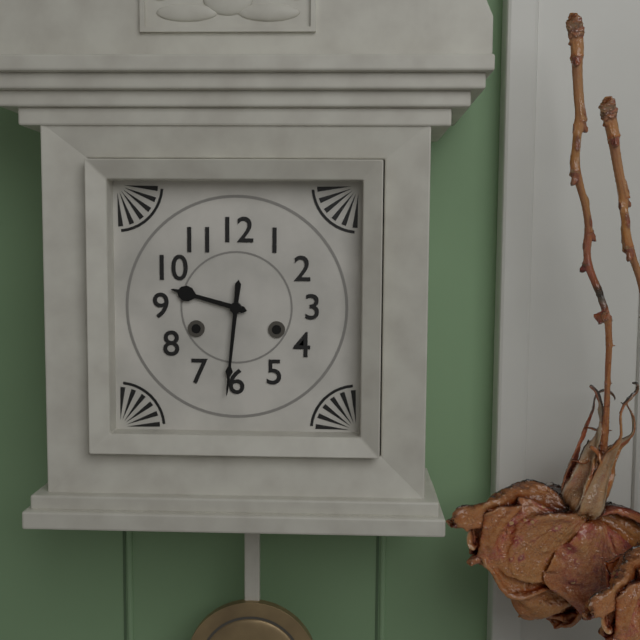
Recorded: 9 h 31 min
